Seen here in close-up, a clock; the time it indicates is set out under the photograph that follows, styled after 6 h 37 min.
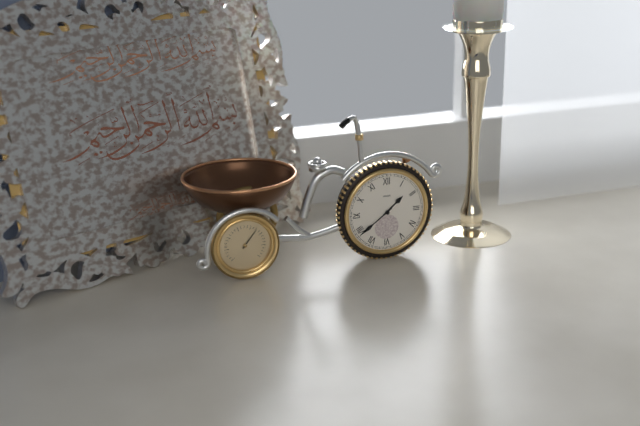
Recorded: 1 h 39 min
